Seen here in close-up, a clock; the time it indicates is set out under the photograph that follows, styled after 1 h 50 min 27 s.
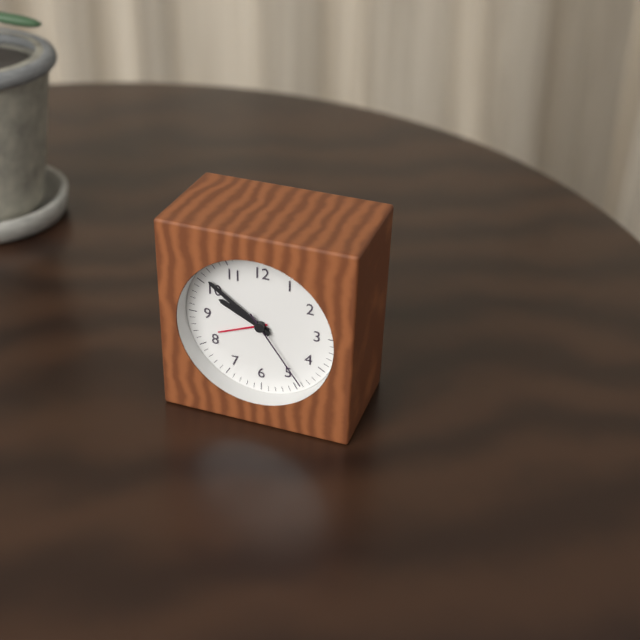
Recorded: 9 h 51 min 24 s
